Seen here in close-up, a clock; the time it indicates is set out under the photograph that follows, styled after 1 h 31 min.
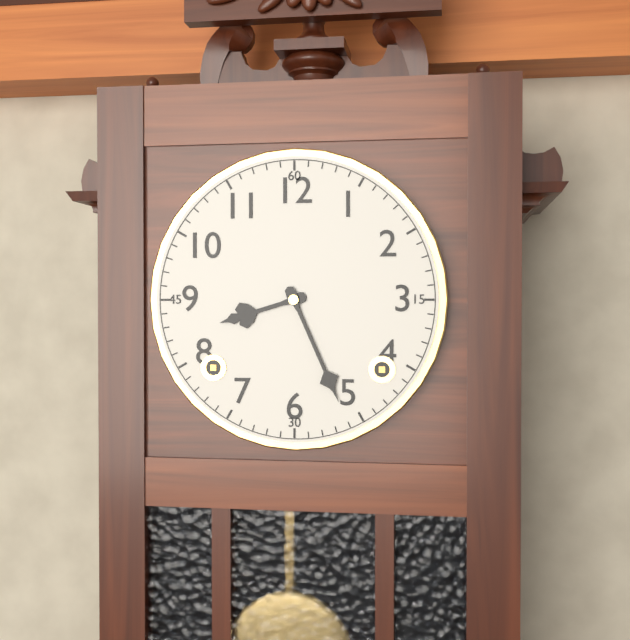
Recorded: 8 h 26 min
